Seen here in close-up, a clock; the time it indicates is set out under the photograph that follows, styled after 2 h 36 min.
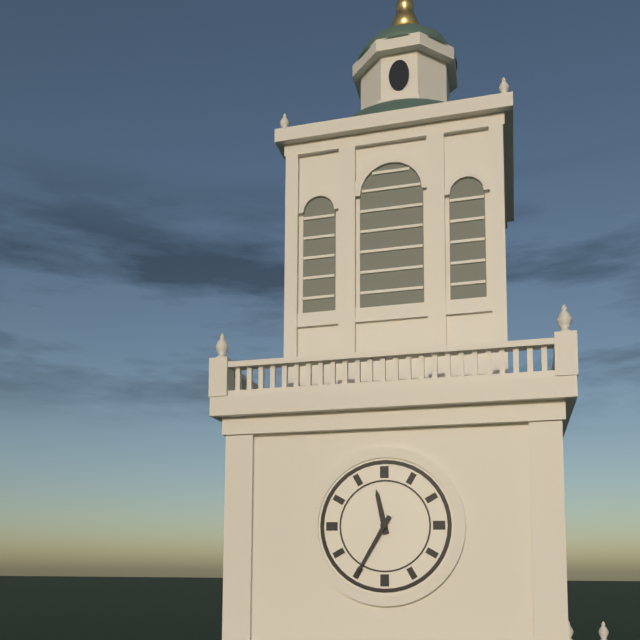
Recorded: 11 h 35 min
